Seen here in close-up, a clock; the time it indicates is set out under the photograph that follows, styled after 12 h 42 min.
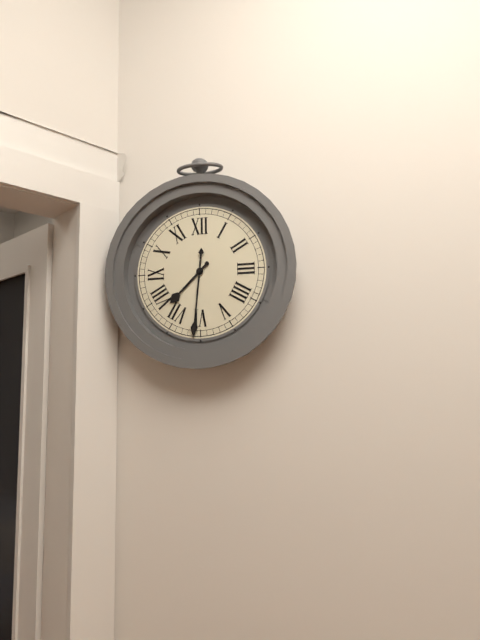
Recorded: 7 h 31 min
